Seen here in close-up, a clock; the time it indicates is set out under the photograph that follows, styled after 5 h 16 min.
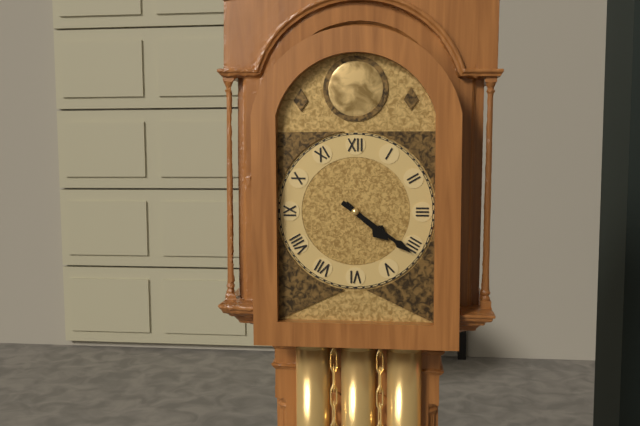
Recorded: 4 h 21 min
